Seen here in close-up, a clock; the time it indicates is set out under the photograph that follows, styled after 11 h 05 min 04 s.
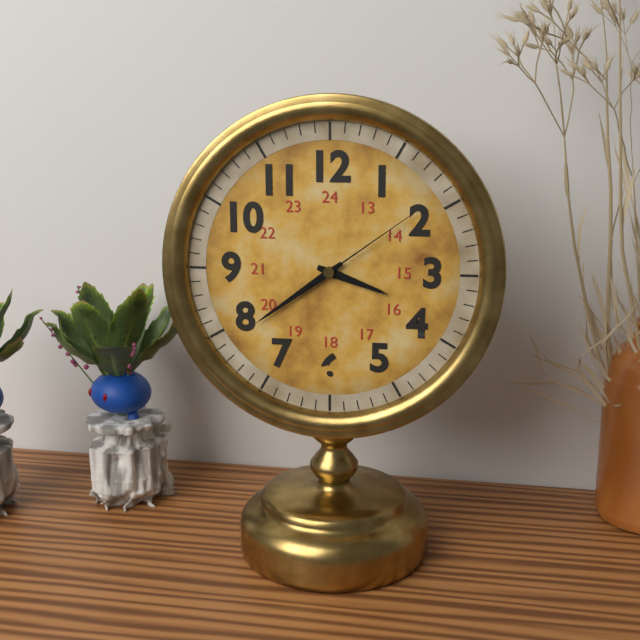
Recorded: 3 h 39 min 09 s
